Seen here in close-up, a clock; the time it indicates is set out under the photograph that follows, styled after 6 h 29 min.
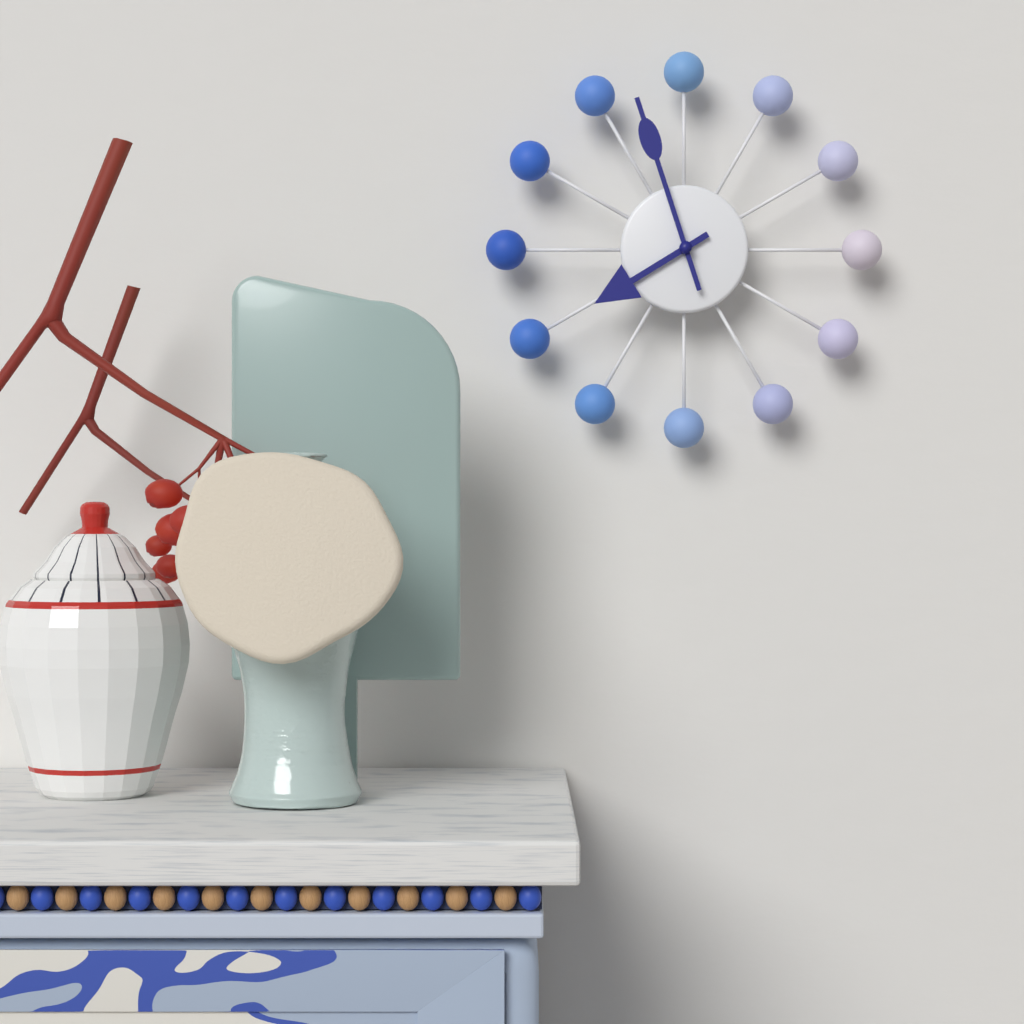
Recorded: 7 h 57 min
